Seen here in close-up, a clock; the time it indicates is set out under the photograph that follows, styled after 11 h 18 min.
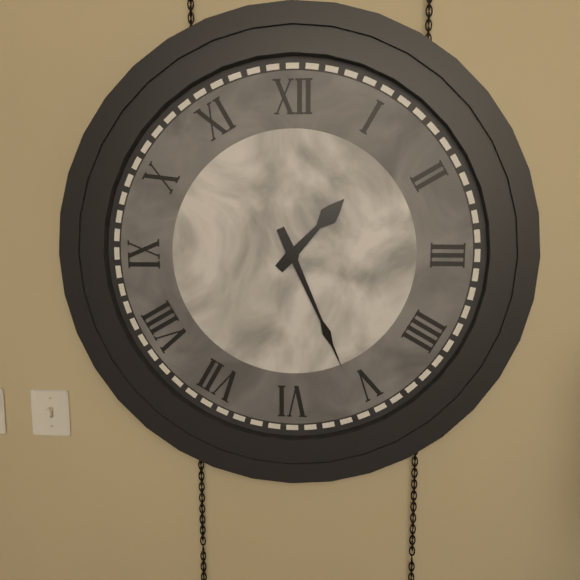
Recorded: 1 h 26 min
